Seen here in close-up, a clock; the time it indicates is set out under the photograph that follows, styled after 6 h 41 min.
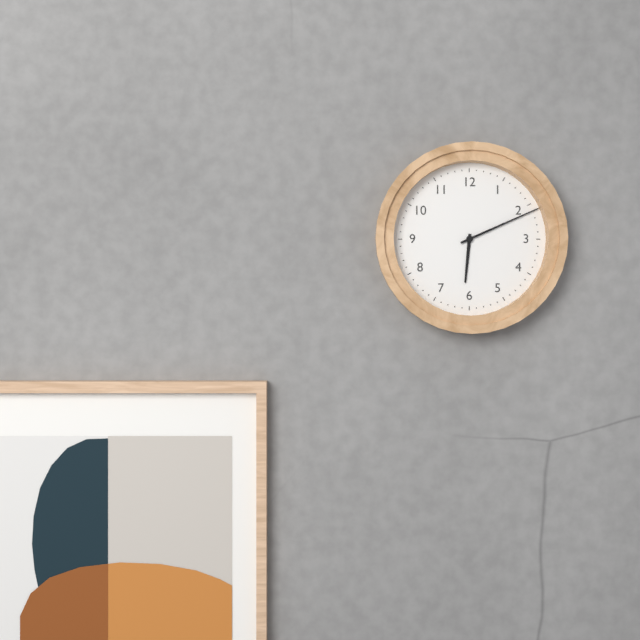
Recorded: 6 h 11 min
